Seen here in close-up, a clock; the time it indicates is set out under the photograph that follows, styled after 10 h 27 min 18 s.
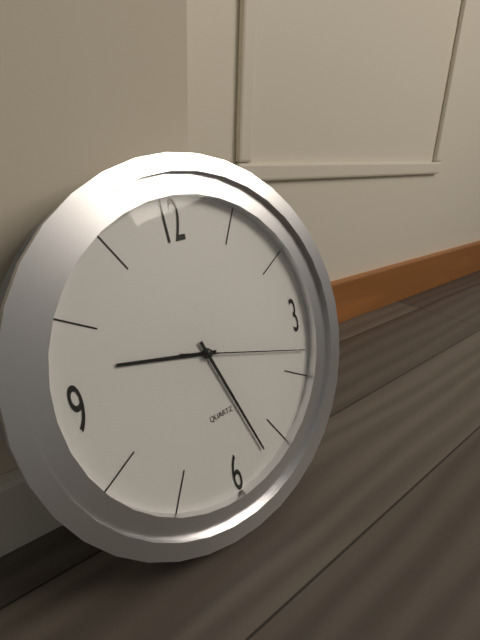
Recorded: 9 h 27 min 18 s
